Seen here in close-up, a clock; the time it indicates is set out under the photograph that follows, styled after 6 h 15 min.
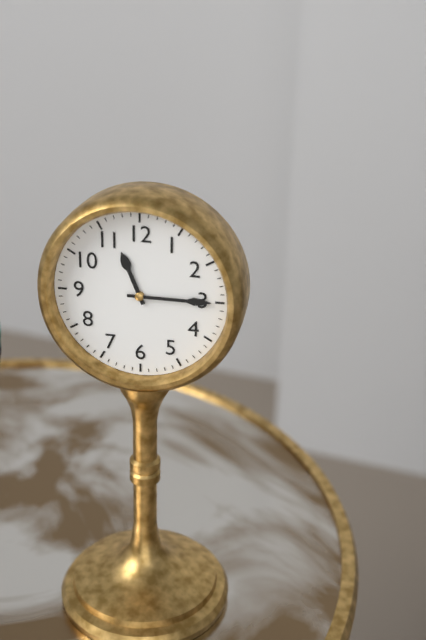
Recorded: 11 h 15 min
